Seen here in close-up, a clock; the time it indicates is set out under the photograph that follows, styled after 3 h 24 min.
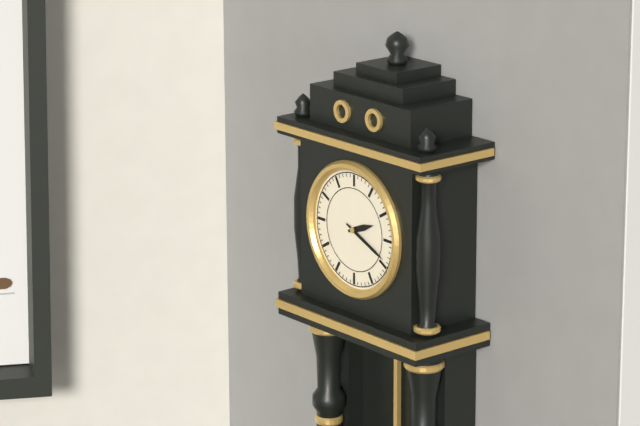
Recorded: 2 h 19 min
